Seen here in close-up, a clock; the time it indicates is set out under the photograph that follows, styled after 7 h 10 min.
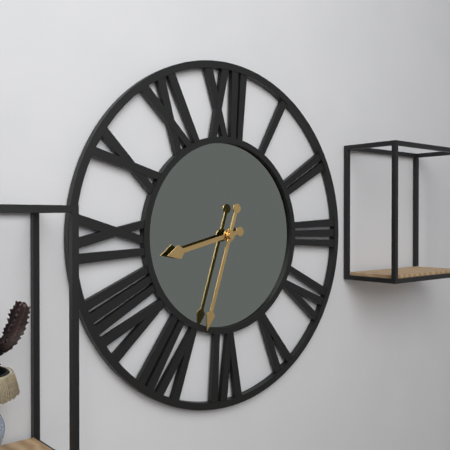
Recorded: 8 h 33 min
